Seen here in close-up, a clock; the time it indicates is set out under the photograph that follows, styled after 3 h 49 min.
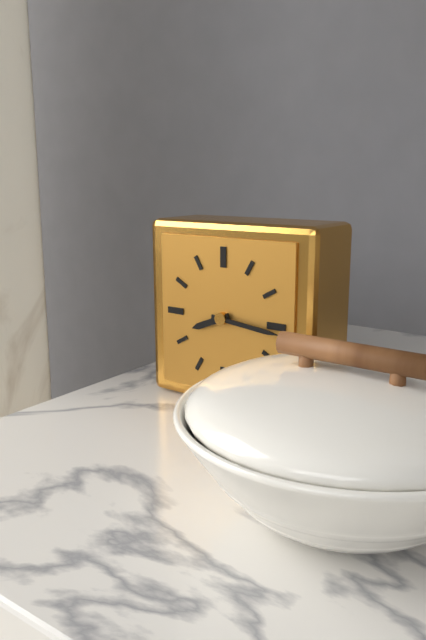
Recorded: 8 h 16 min
